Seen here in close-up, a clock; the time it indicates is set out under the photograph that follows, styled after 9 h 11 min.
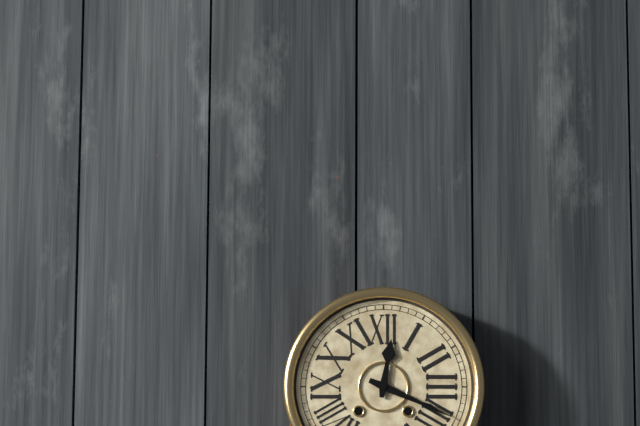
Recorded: 12 h 19 min
